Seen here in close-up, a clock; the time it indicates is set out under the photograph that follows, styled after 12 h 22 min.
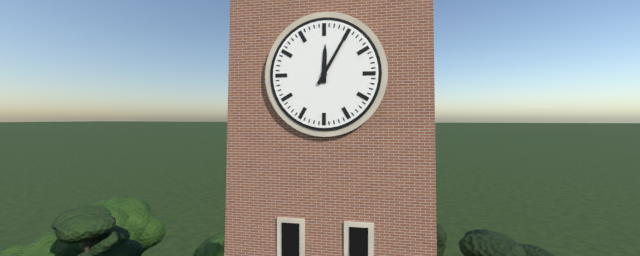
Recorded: 12 h 05 min
